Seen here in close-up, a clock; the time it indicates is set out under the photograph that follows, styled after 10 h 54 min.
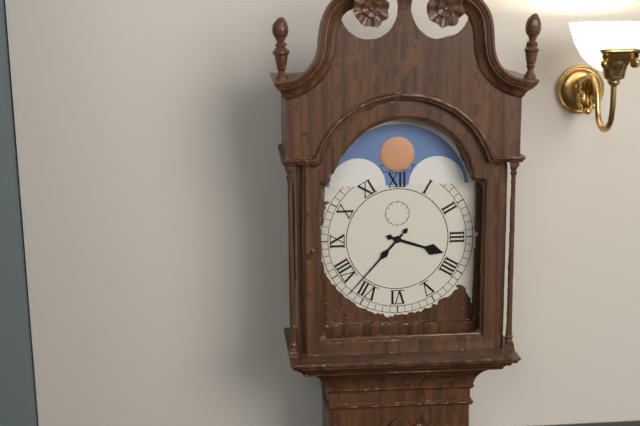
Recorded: 3 h 37 min
